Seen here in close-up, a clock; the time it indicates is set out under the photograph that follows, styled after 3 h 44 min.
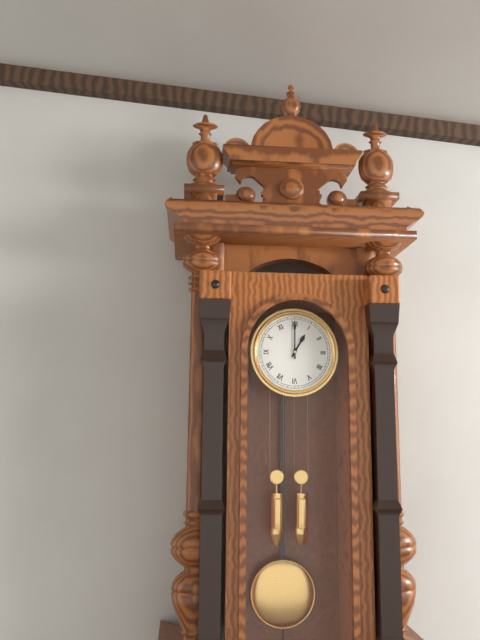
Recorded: 1 h 00 min
